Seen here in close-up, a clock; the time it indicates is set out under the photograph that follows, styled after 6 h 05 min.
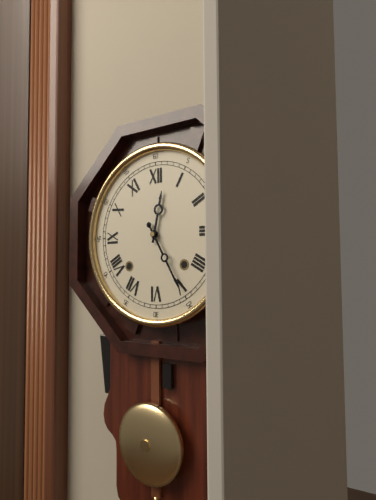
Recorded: 12 h 25 min
